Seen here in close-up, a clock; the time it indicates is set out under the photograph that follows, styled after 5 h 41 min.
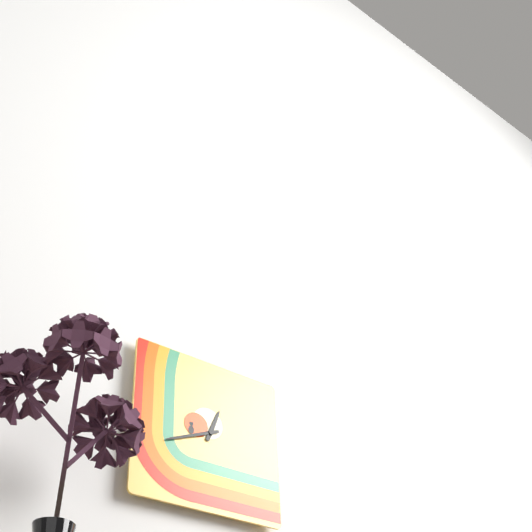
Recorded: 12 h 41 min
